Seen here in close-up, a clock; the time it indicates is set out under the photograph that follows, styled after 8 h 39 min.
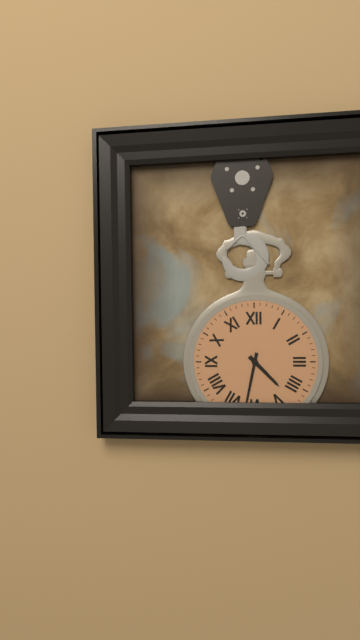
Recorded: 4 h 32 min
